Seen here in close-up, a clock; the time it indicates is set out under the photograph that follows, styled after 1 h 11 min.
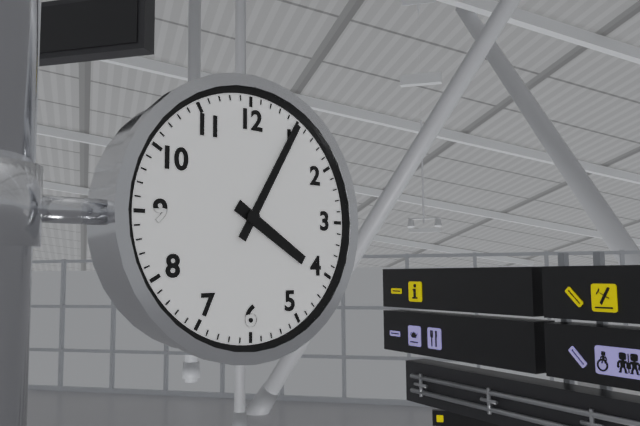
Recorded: 4 h 05 min
